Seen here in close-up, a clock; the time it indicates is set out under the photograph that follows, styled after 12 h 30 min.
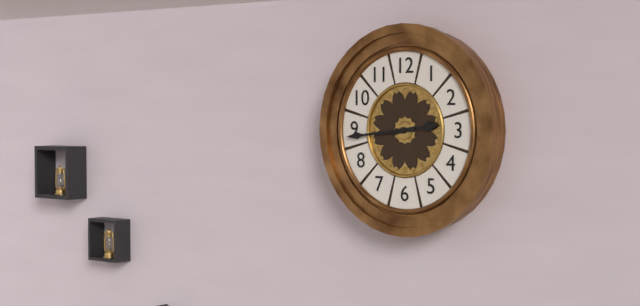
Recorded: 2 h 44 min
